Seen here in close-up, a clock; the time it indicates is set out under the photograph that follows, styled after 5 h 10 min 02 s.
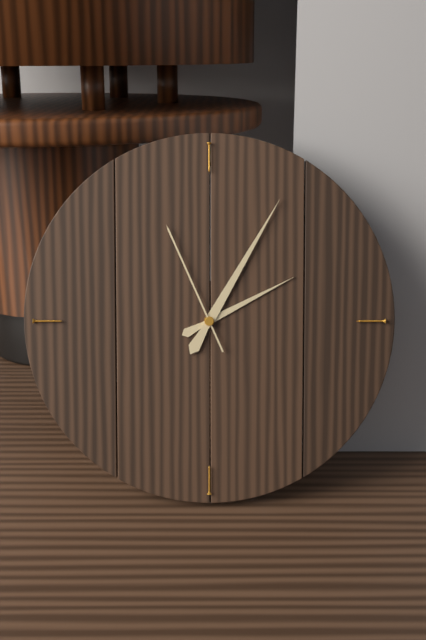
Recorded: 2 h 05 min 56 s
